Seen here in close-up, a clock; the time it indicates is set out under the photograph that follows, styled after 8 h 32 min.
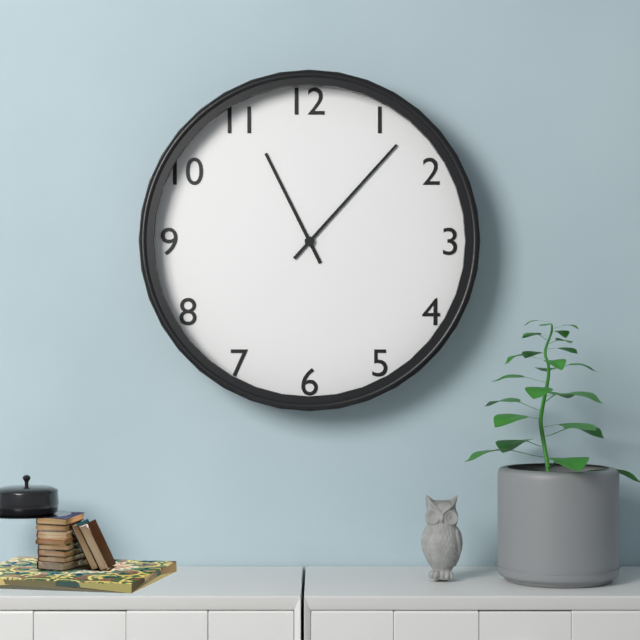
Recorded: 11 h 07 min
